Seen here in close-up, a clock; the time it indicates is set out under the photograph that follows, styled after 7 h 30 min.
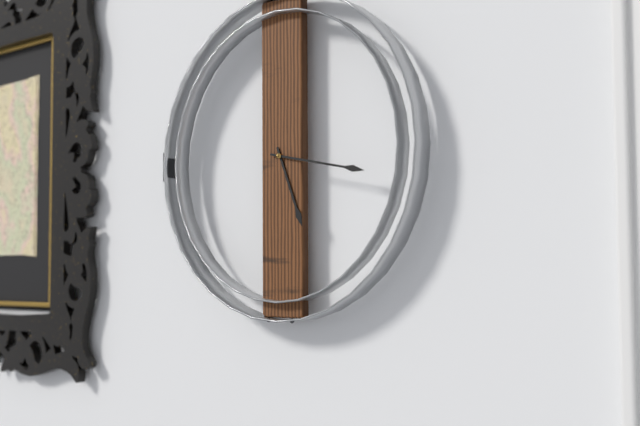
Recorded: 5 h 17 min
